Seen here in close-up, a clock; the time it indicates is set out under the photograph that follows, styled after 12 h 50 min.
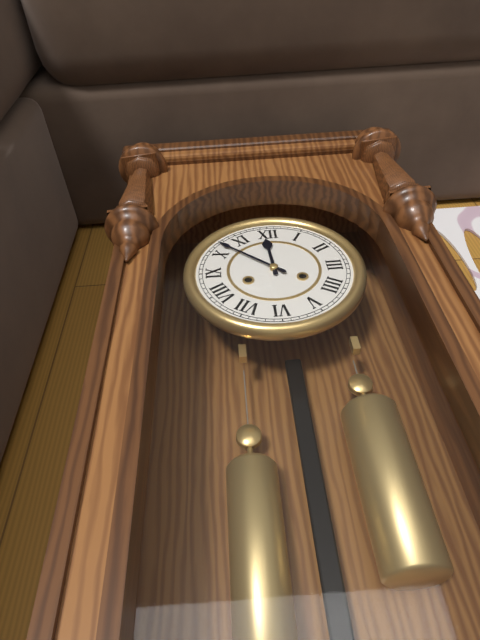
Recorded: 11 h 52 min
